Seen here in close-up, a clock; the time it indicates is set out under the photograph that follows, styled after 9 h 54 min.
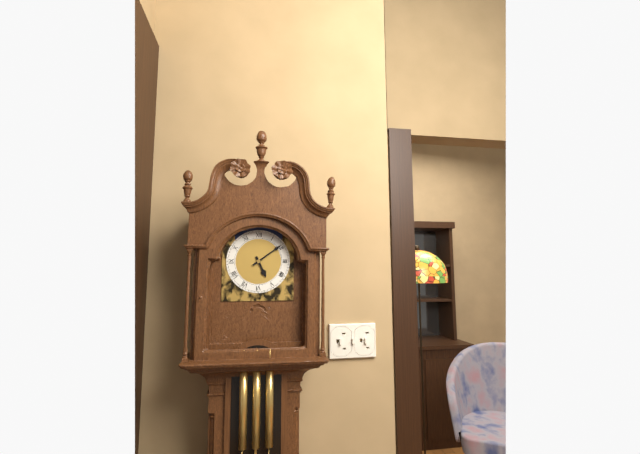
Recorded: 5 h 09 min
